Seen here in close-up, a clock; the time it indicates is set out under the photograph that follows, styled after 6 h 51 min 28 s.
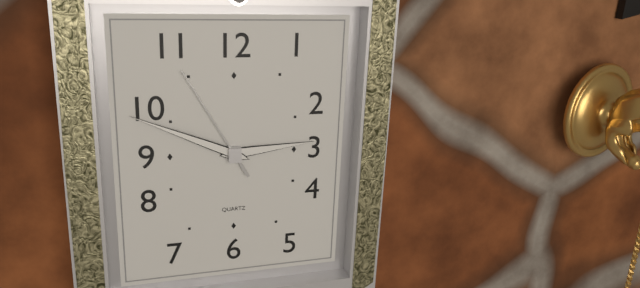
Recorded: 2 h 49 min 55 s
